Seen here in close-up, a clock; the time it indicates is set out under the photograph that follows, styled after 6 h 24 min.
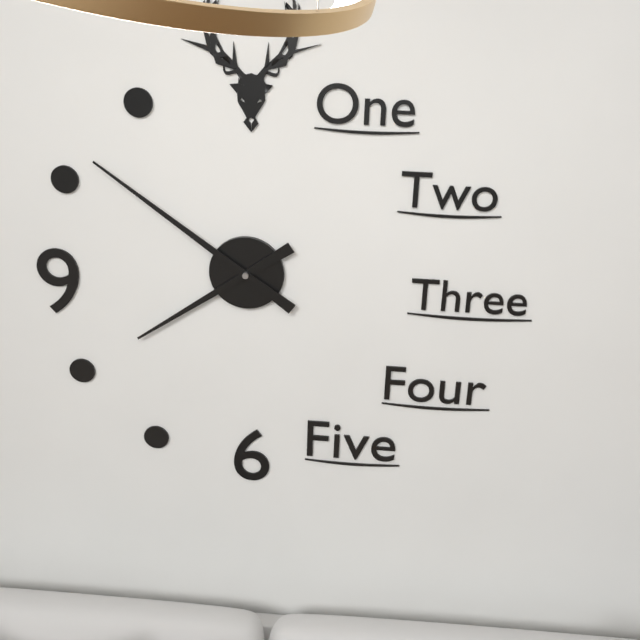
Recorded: 7 h 51 min
